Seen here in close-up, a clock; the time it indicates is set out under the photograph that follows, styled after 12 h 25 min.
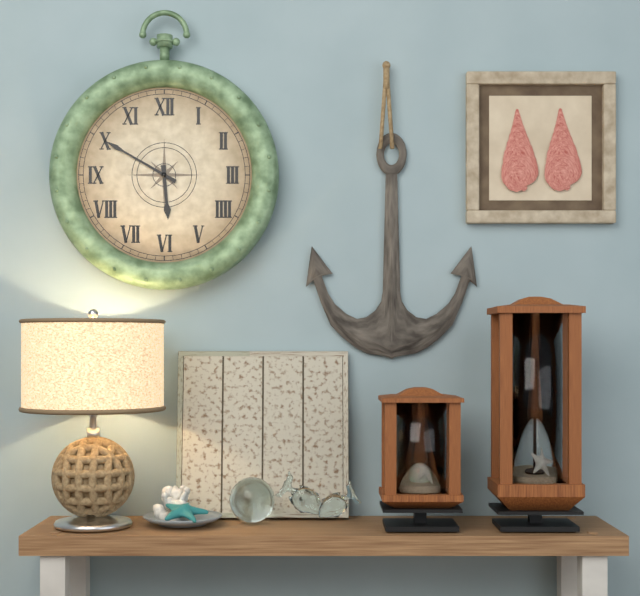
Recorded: 5 h 50 min
